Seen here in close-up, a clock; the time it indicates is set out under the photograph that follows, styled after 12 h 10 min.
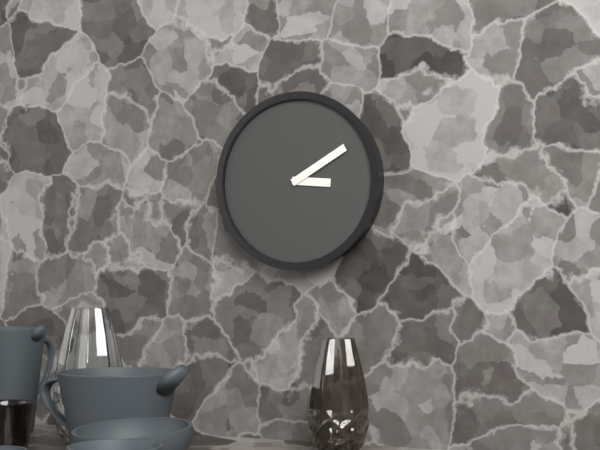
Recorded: 3 h 10 min
